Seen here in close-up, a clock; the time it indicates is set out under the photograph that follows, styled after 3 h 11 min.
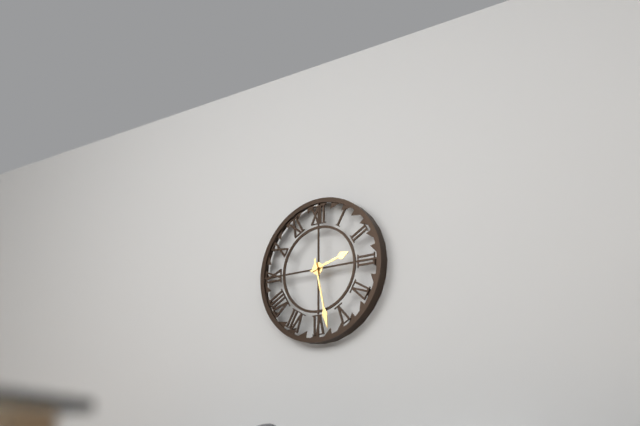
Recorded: 2 h 28 min
